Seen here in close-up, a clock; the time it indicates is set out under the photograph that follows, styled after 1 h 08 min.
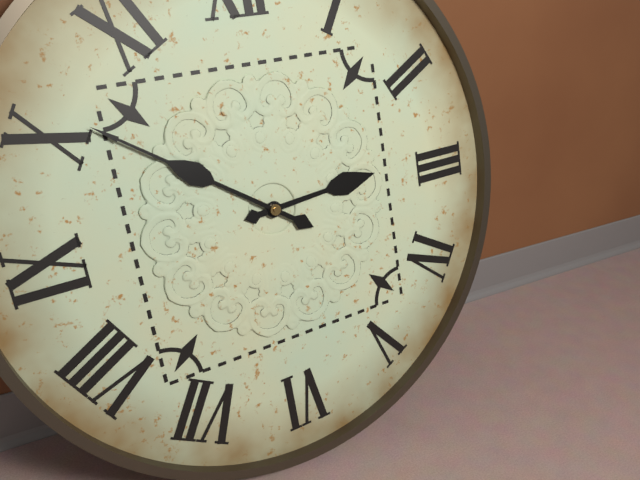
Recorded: 2 h 51 min
